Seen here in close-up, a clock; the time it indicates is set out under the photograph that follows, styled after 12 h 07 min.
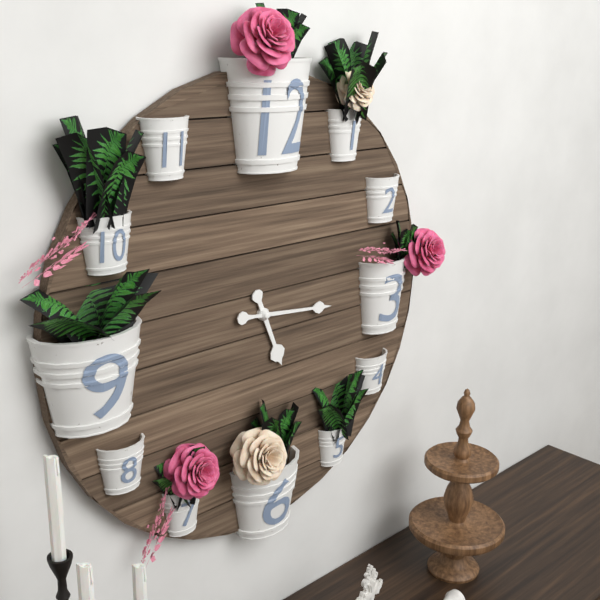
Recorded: 5 h 16 min
